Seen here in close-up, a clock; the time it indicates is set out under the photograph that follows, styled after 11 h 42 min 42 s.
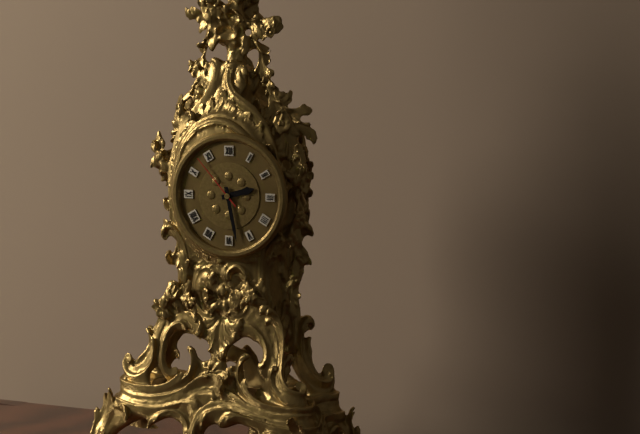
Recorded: 2 h 28 min 53 s
